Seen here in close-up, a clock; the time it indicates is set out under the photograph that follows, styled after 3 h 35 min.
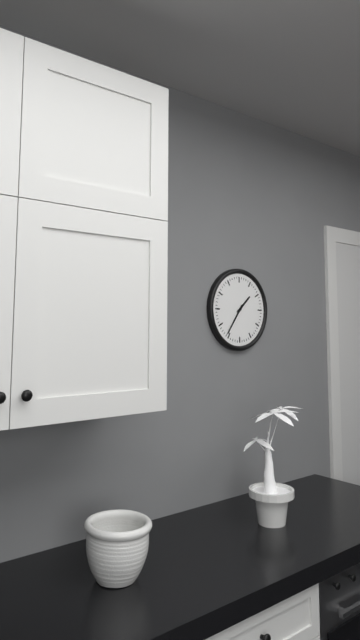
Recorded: 1 h 36 min
